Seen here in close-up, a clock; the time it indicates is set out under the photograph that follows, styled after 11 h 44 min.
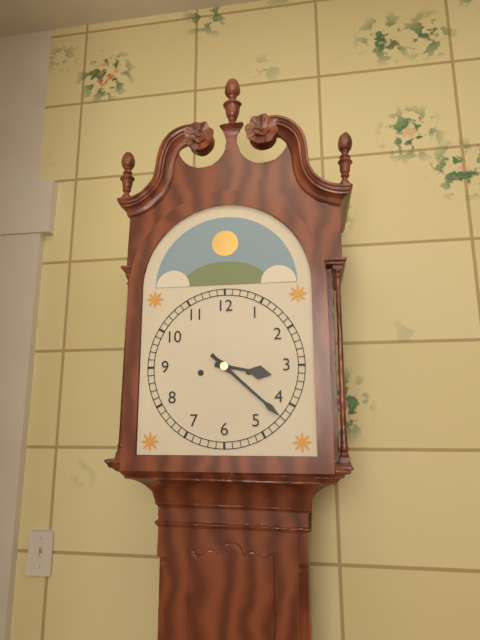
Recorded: 3 h 22 min
